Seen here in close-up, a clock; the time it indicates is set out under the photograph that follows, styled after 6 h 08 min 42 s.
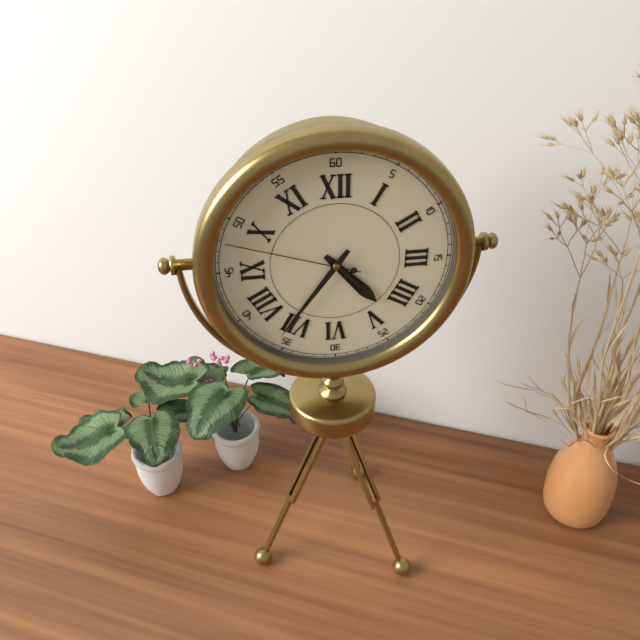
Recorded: 4 h 36 min 48 s
